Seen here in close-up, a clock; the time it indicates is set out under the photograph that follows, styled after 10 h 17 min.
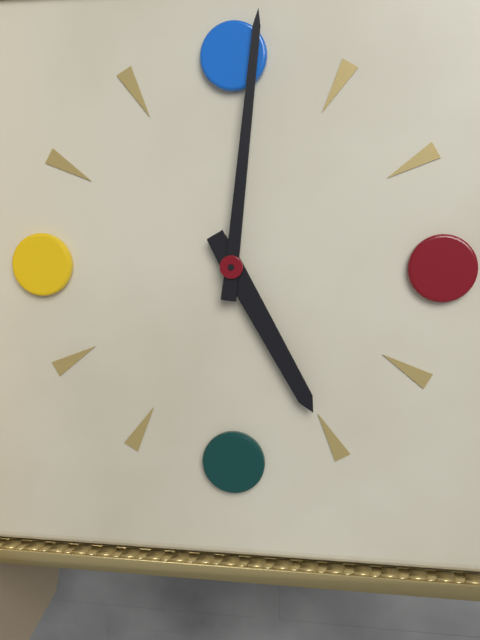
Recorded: 5 h 01 min
